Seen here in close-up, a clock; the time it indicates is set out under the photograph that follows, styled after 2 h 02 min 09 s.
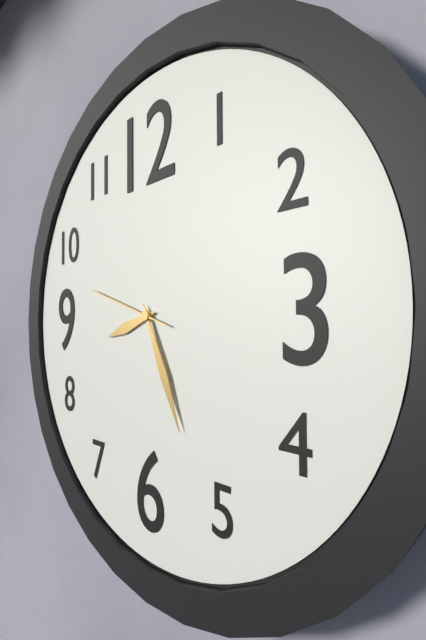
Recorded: 8 h 26 min 48 s
